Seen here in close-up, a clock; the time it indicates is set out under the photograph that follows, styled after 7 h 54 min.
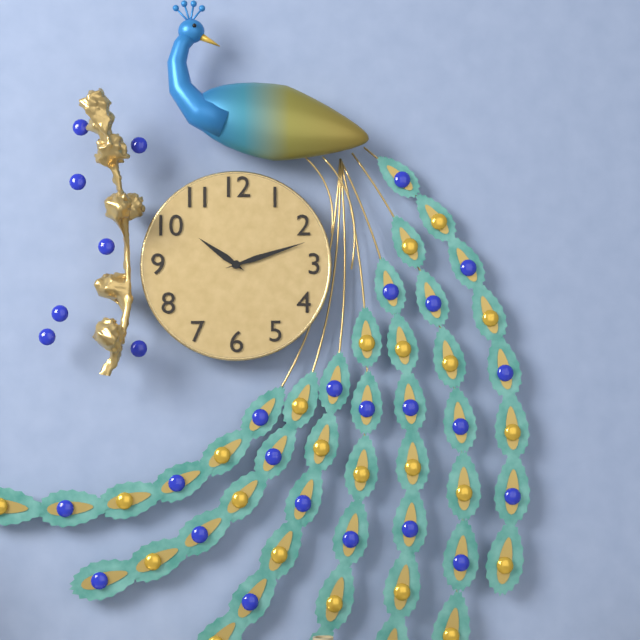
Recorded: 10 h 12 min
